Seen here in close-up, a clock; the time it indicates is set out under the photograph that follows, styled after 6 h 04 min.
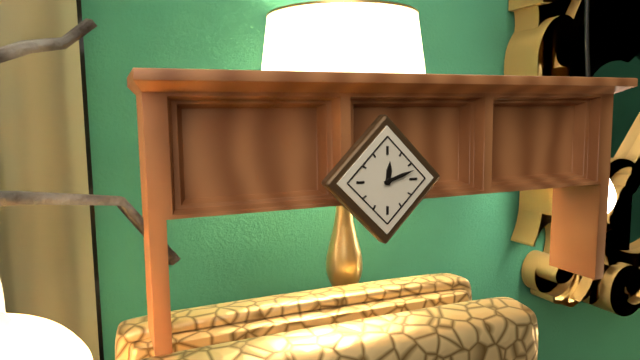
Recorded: 12 h 12 min
